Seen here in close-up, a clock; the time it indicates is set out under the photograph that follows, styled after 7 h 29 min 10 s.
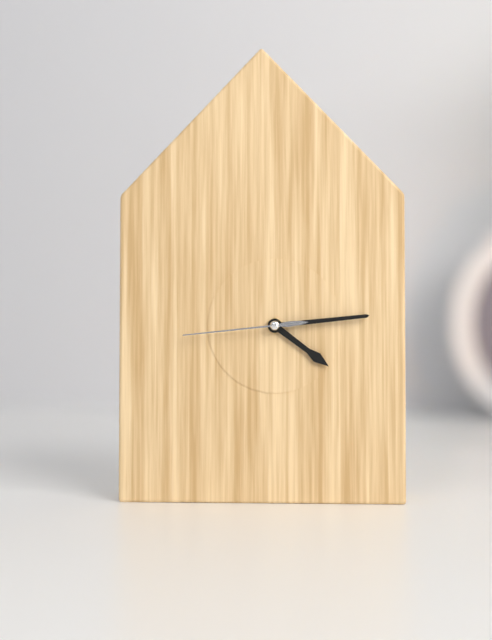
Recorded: 4 h 14 min 44 s
